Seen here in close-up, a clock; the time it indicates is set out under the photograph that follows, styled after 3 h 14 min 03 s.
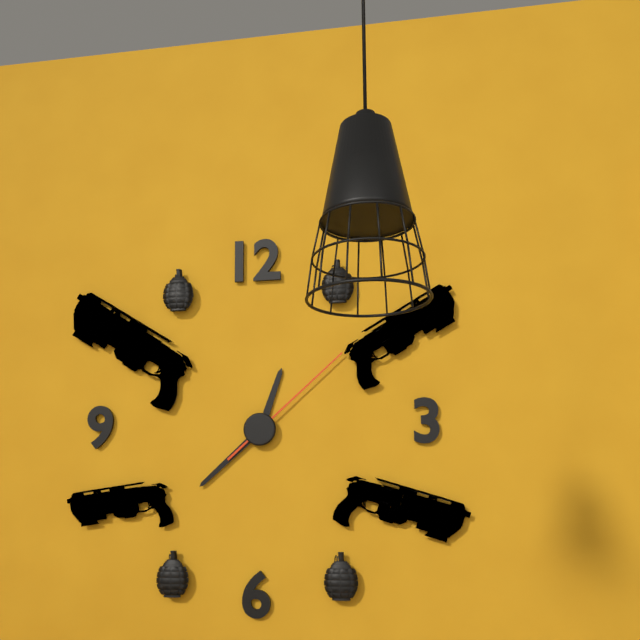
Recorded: 12 h 38 min 08 s
